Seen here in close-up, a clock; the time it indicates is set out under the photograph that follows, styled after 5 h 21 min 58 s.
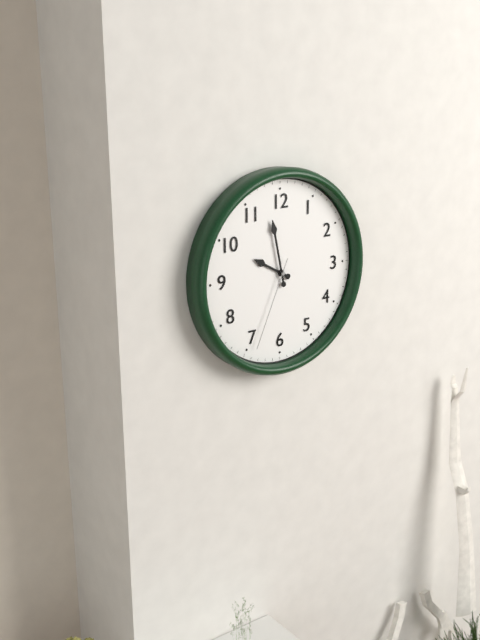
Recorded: 9 h 58 min 34 s
